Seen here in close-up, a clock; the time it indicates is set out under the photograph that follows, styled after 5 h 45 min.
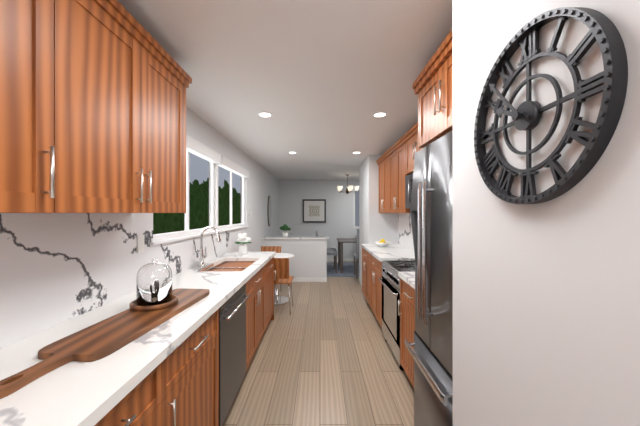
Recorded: 9 h 53 min
